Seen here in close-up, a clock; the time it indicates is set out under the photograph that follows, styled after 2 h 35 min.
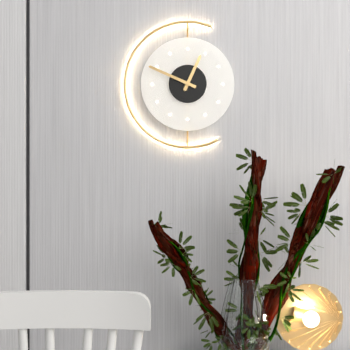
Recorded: 12 h 49 min
